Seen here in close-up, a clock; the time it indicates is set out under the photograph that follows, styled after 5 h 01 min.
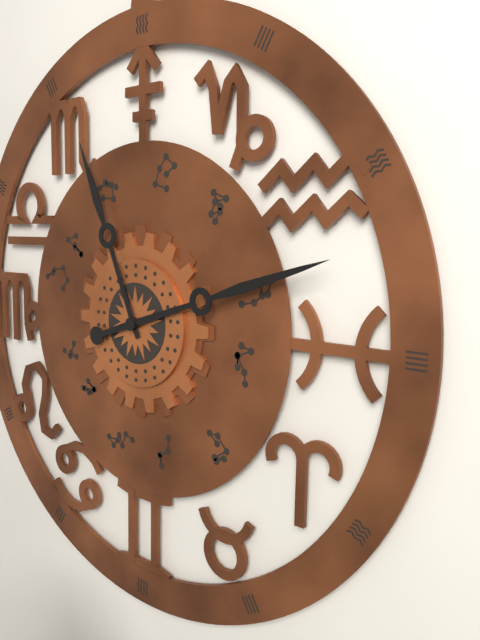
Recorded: 11 h 12 min
